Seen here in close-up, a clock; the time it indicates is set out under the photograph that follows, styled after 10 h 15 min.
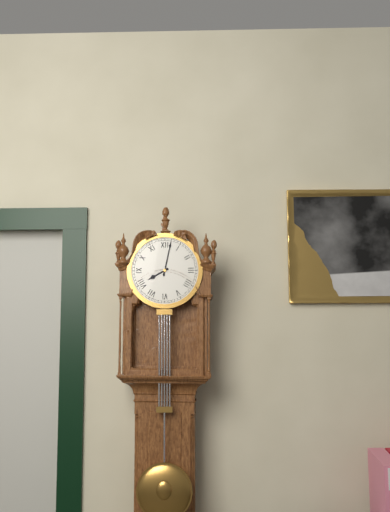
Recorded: 8 h 02 min
